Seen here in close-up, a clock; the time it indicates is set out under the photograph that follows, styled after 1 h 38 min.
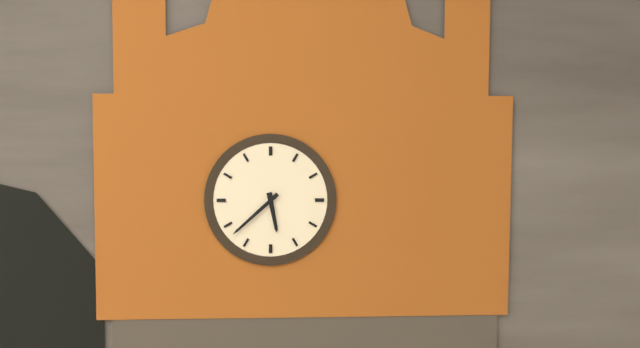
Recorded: 5 h 38 min
